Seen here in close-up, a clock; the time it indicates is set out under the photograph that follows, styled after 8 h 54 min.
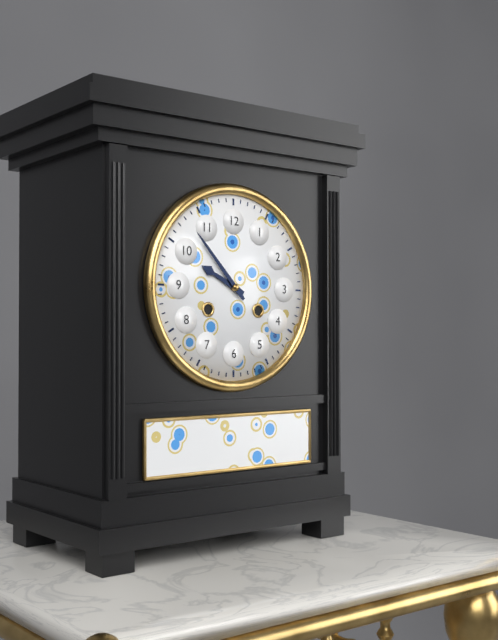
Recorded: 9 h 53 min
